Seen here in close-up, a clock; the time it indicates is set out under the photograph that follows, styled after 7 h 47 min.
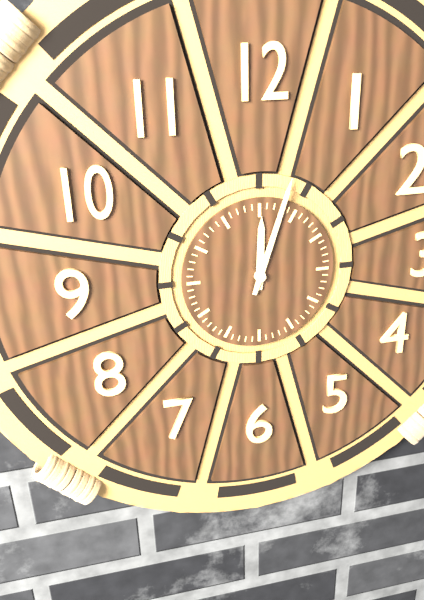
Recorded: 12 h 03 min
